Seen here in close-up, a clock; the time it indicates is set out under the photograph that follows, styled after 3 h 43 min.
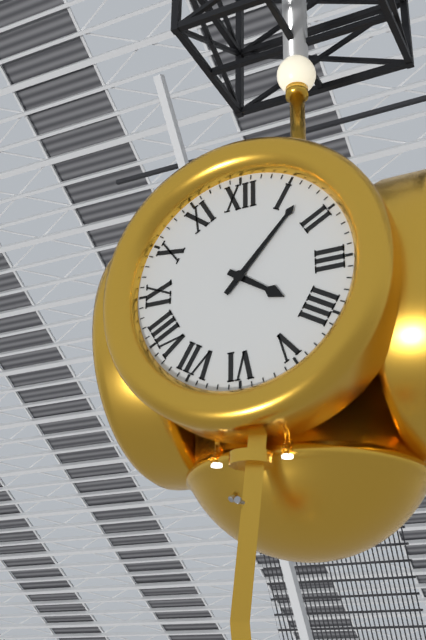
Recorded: 4 h 07 min
